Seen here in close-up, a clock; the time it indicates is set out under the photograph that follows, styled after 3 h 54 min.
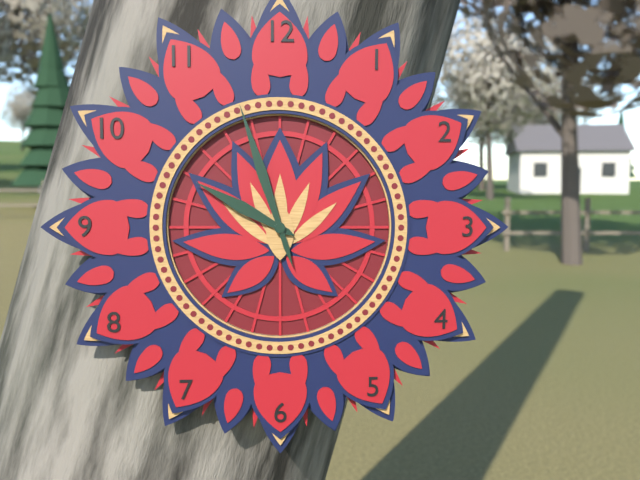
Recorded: 9 h 57 min
